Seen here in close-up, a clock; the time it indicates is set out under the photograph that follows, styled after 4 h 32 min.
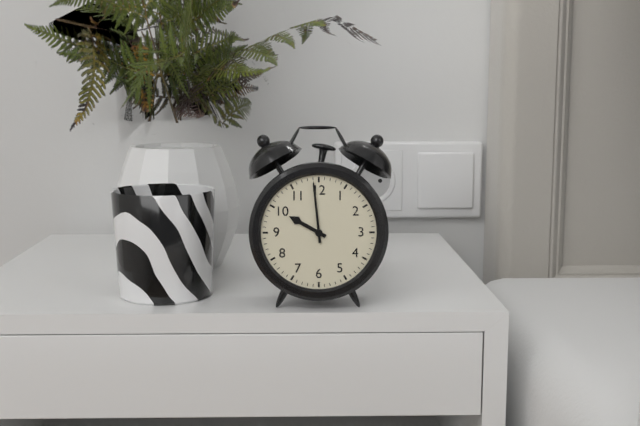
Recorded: 9 h 59 min
